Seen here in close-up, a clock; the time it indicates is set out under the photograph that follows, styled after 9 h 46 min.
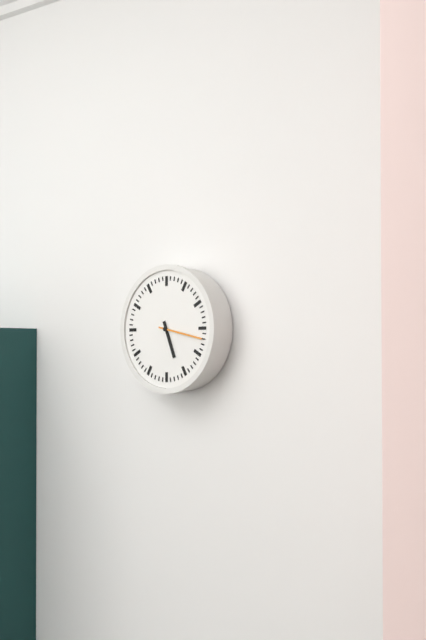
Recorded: 5 h 17 min
